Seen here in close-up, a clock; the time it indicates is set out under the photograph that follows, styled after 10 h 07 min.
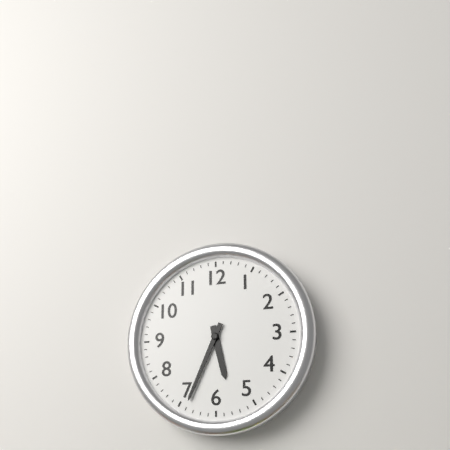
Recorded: 5 h 34 min
